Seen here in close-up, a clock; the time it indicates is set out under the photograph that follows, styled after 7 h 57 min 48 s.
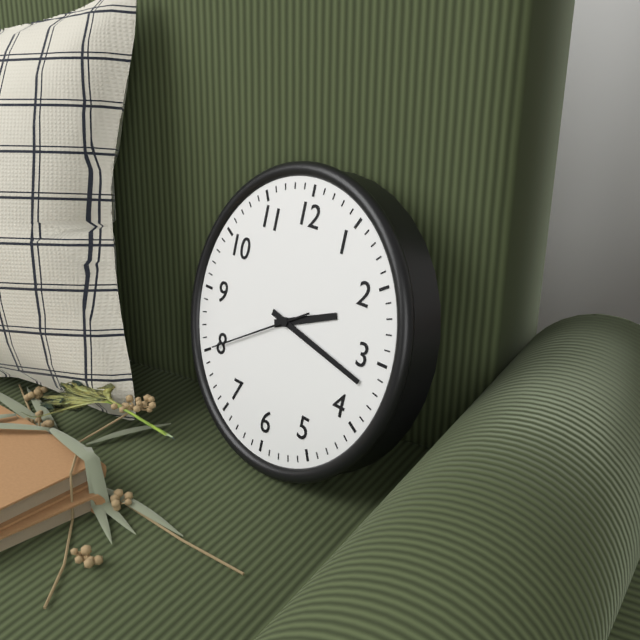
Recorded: 2 h 17 min 40 s
